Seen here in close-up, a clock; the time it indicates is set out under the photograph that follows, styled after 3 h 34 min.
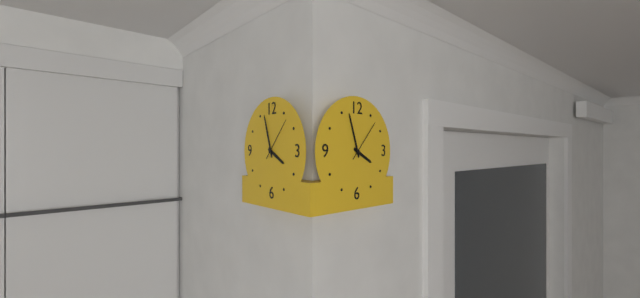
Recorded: 3 h 57 min
